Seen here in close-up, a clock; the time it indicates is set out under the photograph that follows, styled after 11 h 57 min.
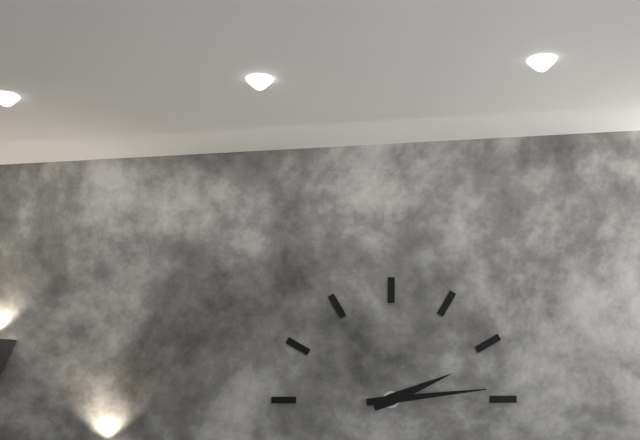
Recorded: 2 h 14 min
